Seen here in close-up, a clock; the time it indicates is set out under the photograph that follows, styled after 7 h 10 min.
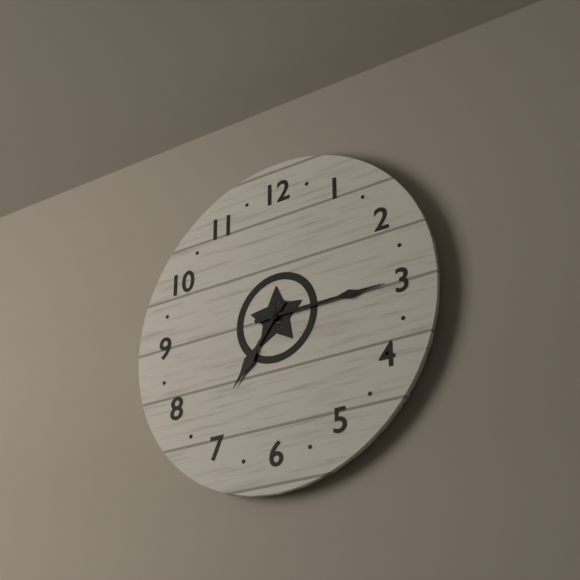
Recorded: 7 h 15 min
